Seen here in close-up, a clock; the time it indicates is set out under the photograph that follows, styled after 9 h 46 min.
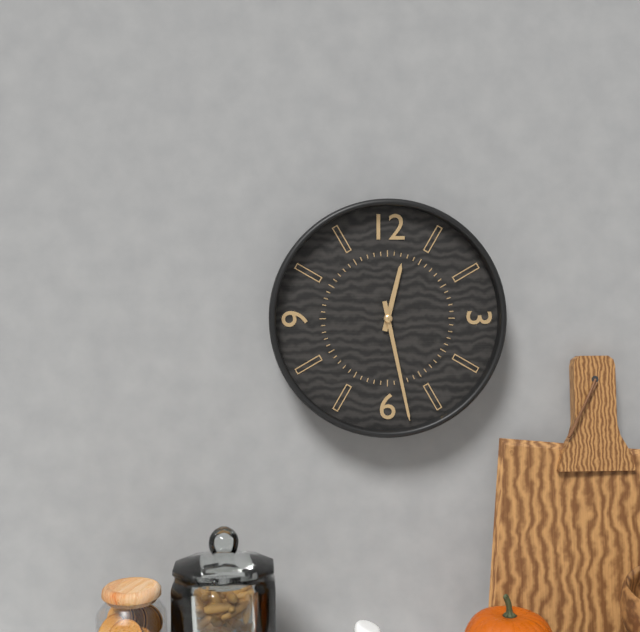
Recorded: 12 h 28 min
